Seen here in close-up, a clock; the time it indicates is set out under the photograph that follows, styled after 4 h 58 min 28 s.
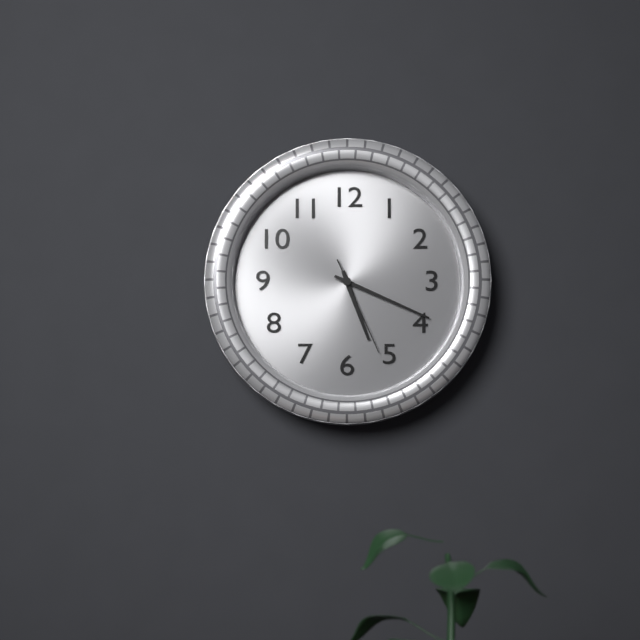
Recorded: 5 h 19 min 26 s
